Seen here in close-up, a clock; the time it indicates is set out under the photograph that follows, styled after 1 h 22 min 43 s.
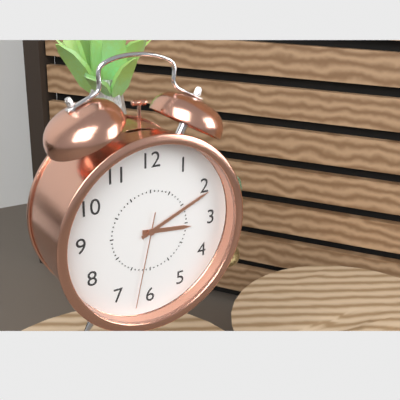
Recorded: 3 h 11 min 32 s
